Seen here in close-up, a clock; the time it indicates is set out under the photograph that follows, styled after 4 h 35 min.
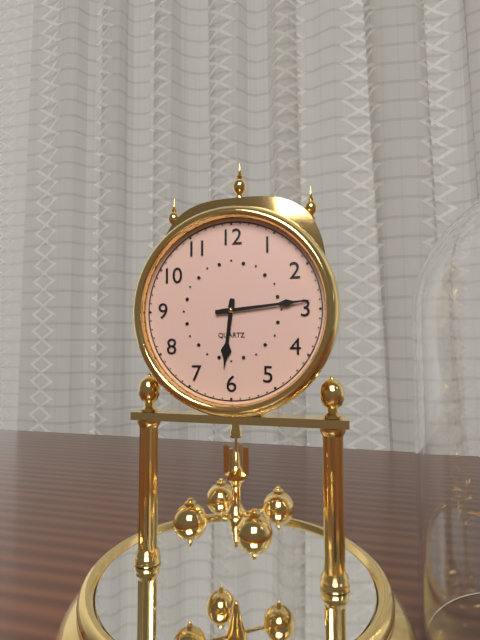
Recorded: 6 h 14 min
